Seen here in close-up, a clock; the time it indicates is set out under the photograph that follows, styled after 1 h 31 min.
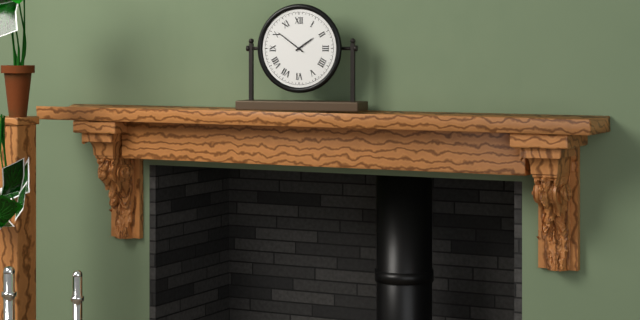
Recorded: 1 h 51 min
